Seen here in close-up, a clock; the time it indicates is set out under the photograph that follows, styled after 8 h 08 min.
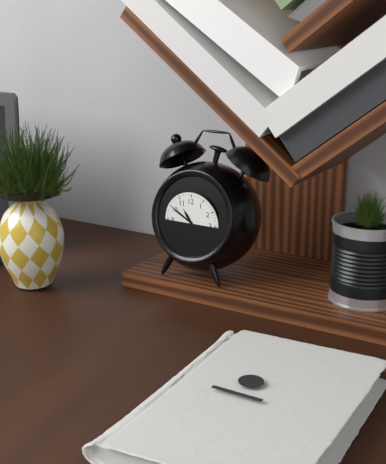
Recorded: 10 h 50 min
